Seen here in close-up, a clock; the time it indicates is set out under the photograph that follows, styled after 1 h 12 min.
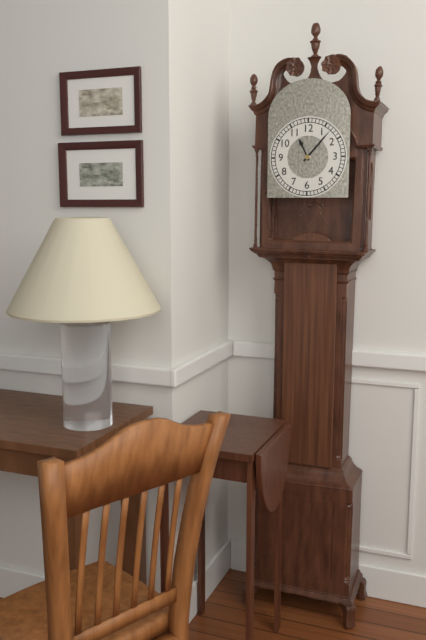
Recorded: 11 h 07 min
